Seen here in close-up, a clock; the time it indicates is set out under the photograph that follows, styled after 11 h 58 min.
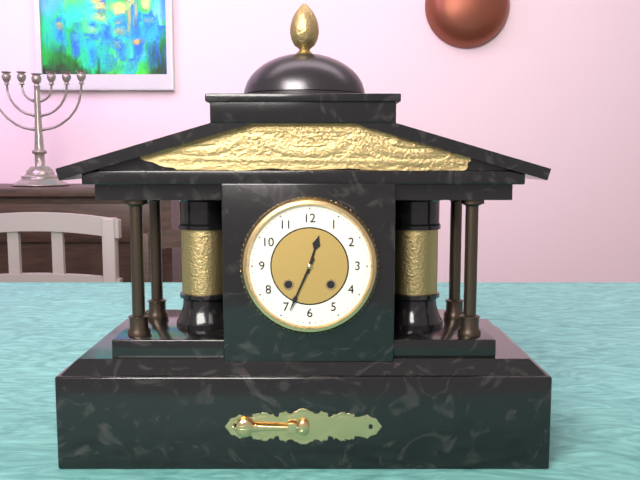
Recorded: 12 h 34 min
